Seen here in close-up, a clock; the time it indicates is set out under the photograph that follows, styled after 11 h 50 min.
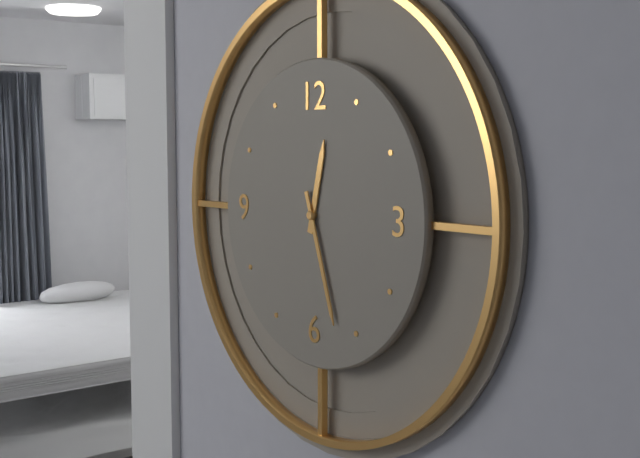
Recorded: 12 h 27 min
